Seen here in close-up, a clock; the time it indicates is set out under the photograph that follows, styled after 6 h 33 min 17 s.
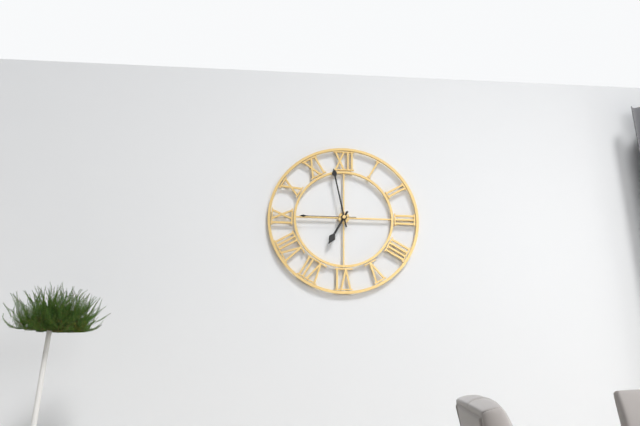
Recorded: 6 h 58 min 45 s
